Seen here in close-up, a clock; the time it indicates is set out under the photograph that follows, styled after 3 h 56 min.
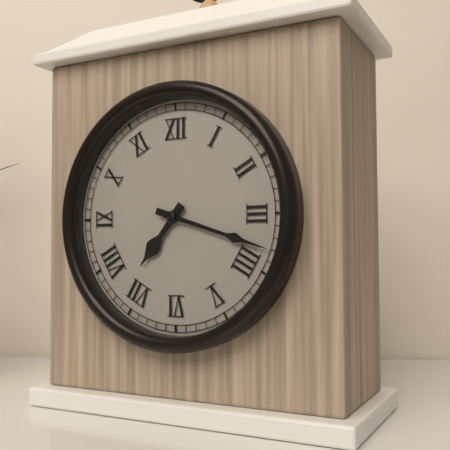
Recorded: 7 h 18 min
